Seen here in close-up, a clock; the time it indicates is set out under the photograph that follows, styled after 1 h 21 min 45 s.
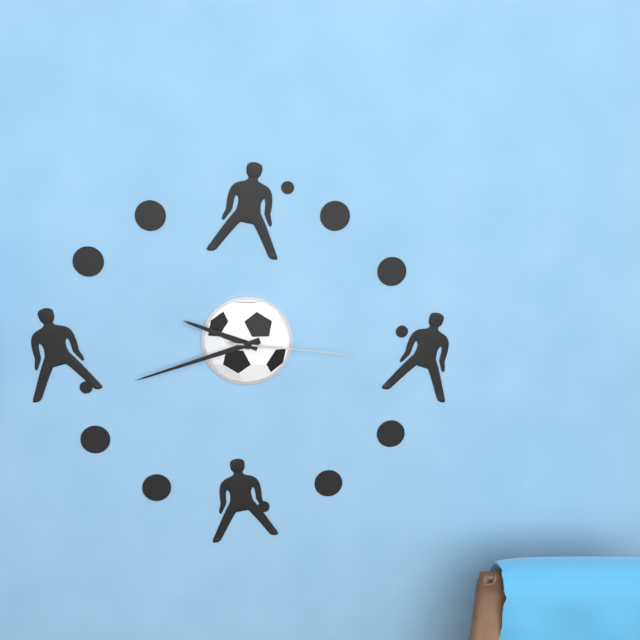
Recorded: 9 h 42 min 16 s
